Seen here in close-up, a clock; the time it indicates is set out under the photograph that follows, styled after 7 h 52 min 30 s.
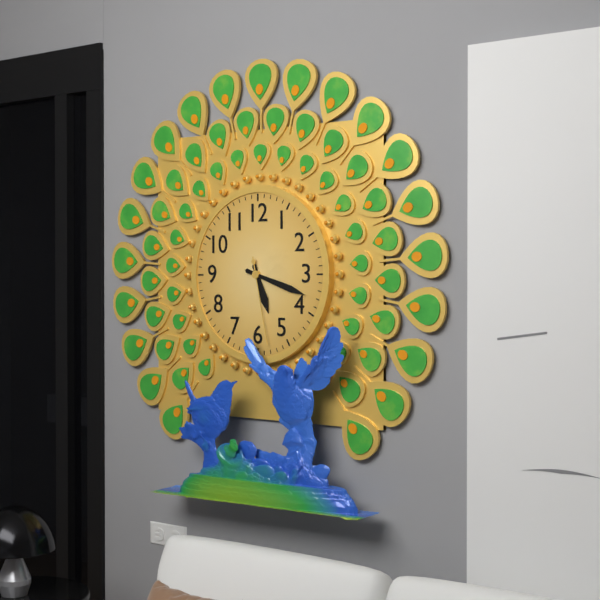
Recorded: 5 h 18 min 28 s
